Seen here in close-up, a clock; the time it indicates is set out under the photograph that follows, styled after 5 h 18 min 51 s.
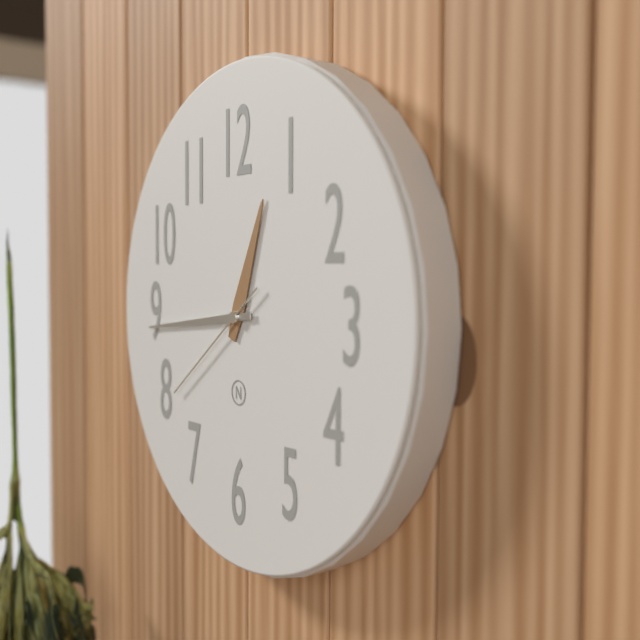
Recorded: 12 h 44 min 39 s
